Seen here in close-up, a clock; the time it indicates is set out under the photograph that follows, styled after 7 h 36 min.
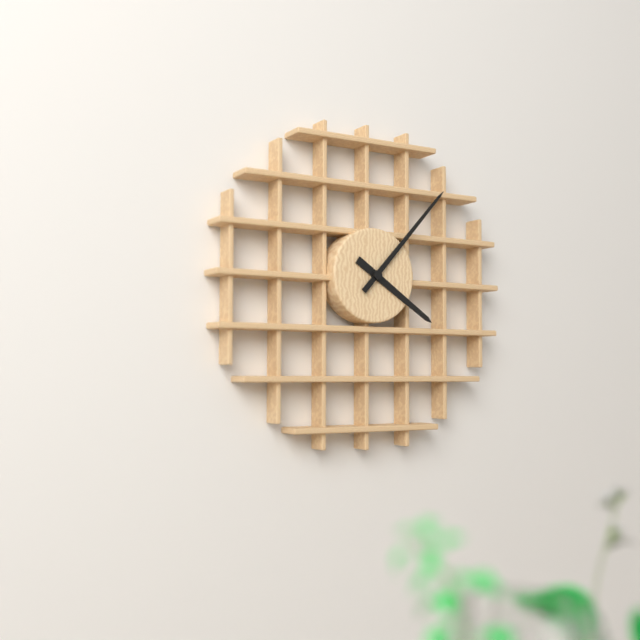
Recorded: 4 h 07 min
